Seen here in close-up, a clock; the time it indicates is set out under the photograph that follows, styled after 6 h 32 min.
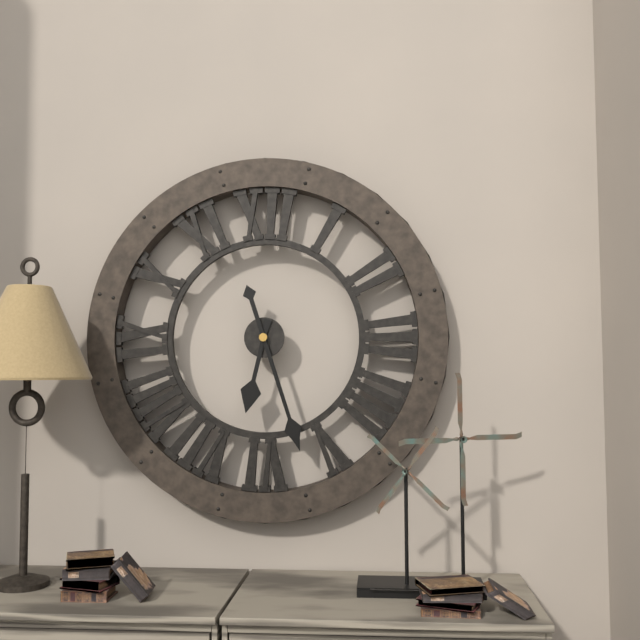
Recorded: 6 h 27 min
